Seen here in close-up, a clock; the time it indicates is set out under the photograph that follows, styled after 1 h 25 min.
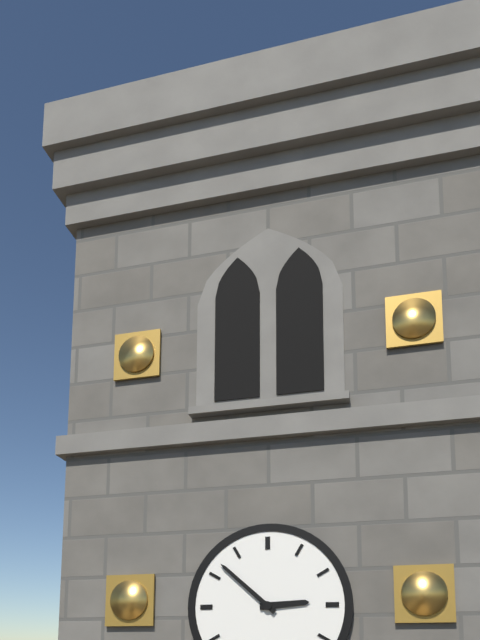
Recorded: 2 h 52 min
